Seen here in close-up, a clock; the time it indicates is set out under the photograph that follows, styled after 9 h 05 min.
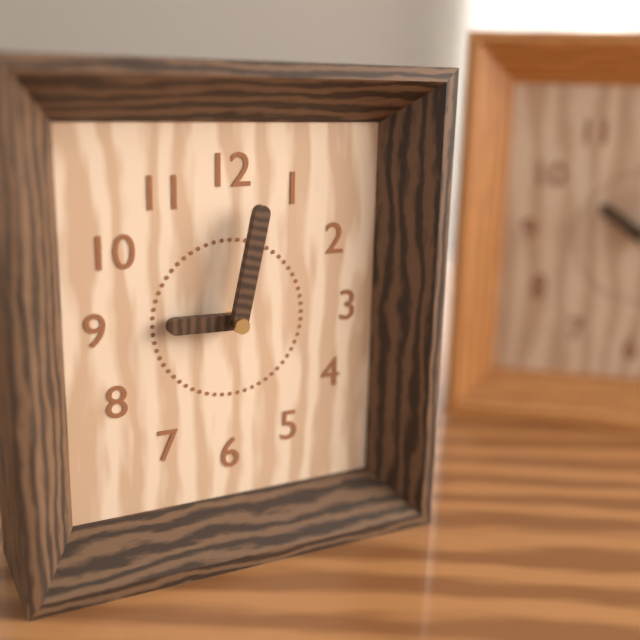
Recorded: 9 h 02 min
